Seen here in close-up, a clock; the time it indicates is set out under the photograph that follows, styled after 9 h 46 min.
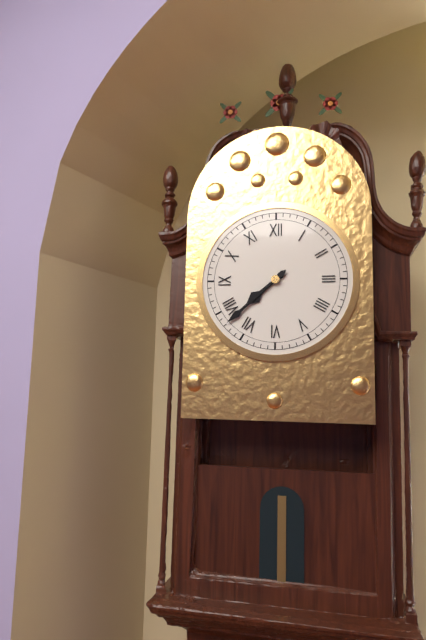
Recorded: 7 h 38 min
